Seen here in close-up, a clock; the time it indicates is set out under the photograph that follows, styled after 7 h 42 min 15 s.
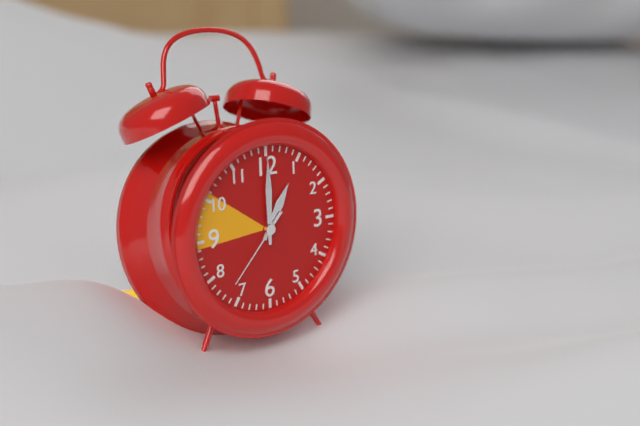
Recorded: 1 h 00 min 37 s
